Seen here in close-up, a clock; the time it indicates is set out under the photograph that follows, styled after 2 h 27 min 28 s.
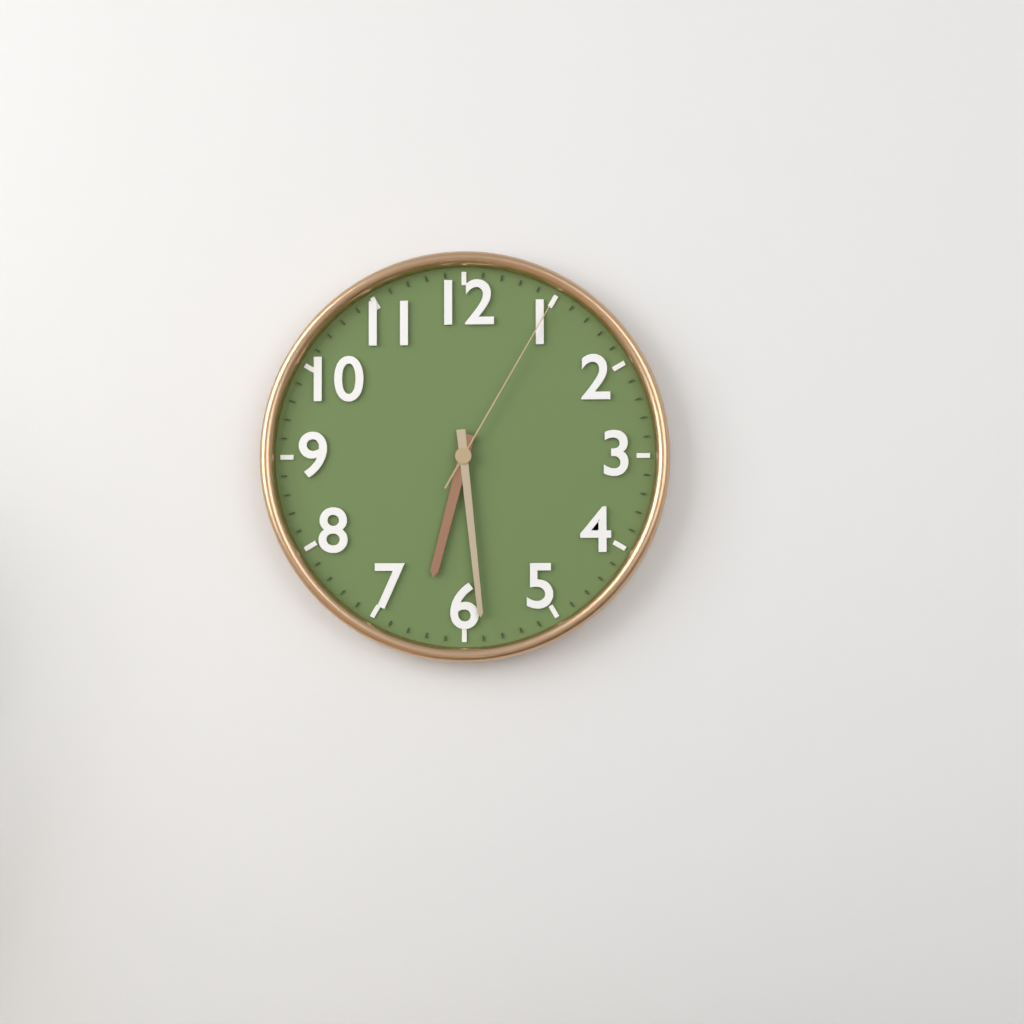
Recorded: 6 h 29 min 05 s
